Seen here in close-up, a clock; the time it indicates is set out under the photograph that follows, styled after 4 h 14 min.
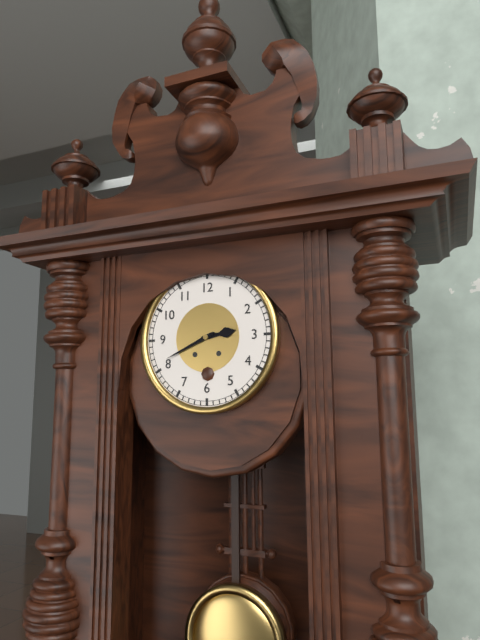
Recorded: 2 h 41 min
